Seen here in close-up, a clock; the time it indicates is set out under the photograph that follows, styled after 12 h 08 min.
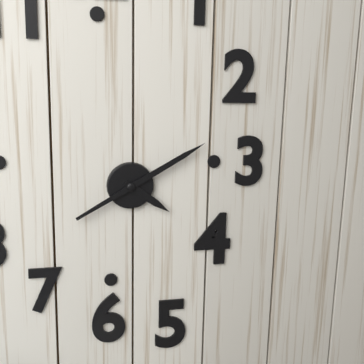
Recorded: 4 h 10 min
